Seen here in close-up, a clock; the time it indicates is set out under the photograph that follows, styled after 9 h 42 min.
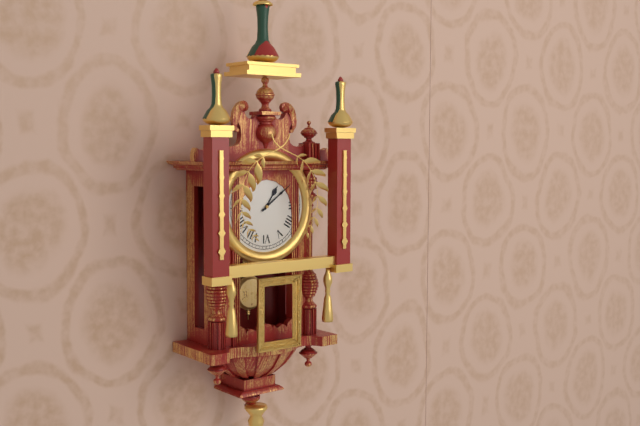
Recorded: 1 h 09 min
